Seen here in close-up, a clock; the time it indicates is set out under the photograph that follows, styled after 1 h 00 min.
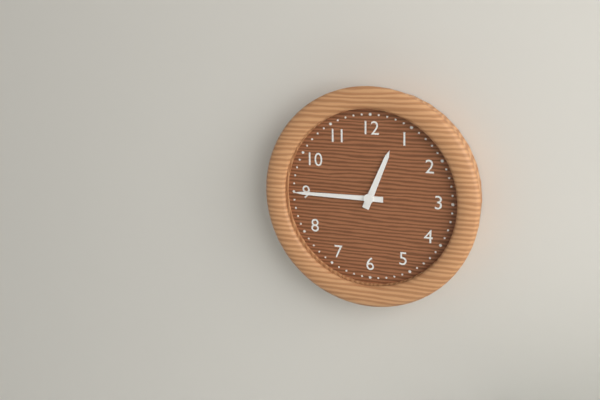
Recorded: 12 h 45 min
